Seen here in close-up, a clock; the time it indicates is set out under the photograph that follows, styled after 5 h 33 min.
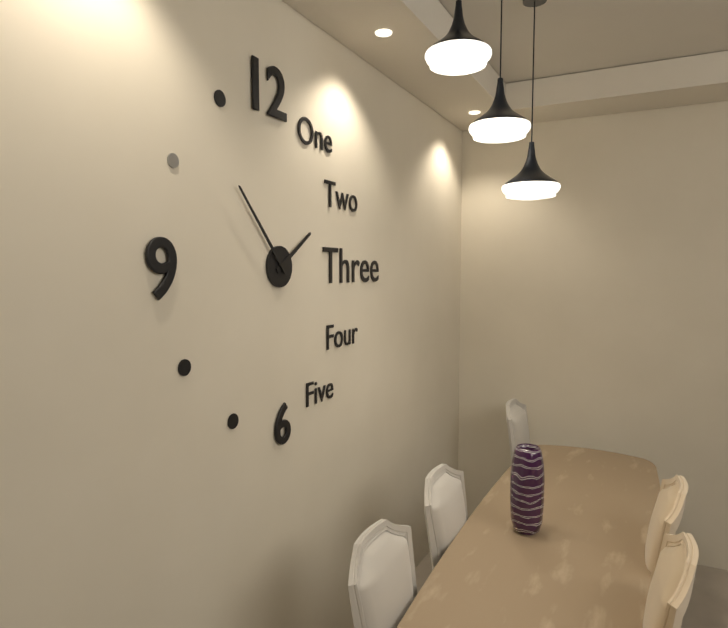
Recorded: 1 h 53 min
